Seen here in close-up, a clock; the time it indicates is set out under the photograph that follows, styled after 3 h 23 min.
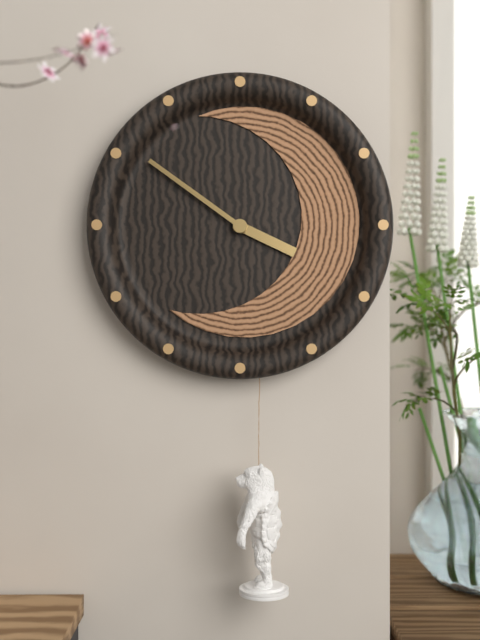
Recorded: 3 h 51 min
